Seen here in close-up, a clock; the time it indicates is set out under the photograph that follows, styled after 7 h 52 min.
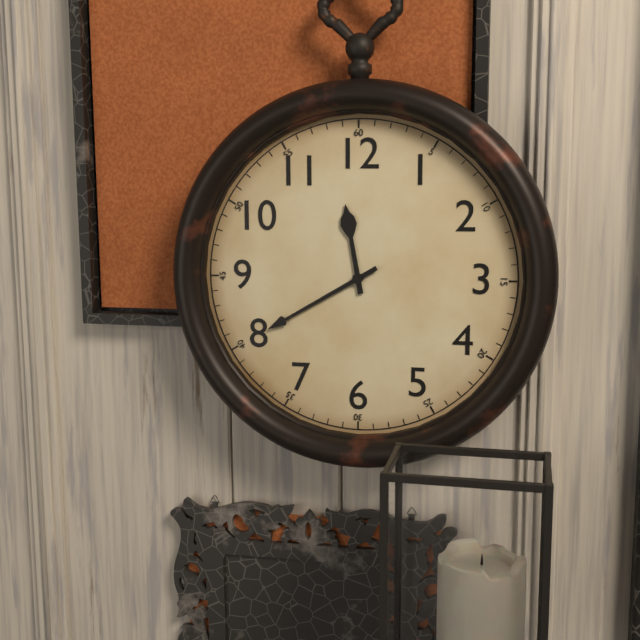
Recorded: 11 h 40 min
